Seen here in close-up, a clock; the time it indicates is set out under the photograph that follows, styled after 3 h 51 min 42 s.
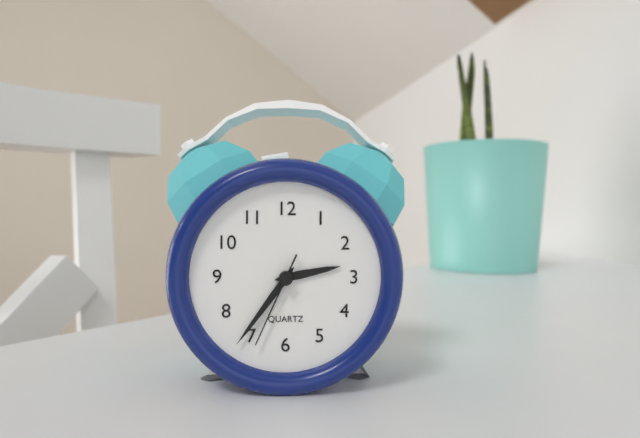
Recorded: 2 h 36 min 34 s
